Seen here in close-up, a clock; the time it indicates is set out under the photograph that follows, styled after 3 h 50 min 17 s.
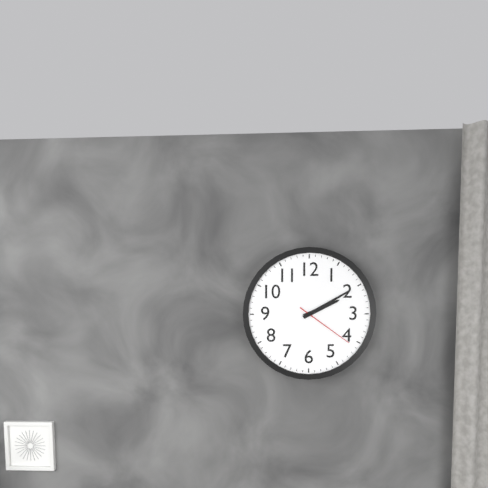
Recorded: 2 h 10 min 21 s
